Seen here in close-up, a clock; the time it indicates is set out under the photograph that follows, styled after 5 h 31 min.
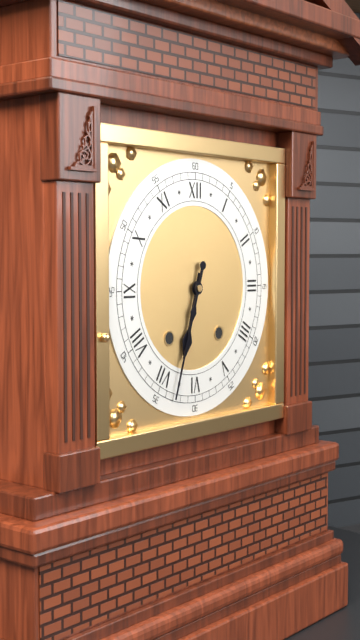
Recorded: 6 h 33 min
